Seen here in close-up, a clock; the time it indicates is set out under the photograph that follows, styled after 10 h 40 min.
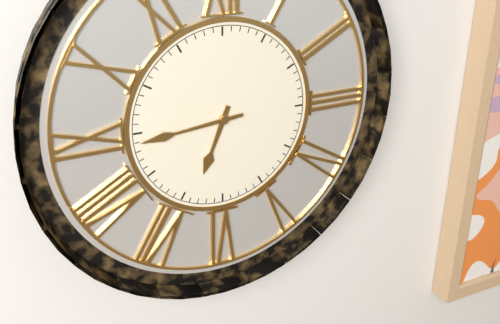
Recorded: 6 h 44 min
